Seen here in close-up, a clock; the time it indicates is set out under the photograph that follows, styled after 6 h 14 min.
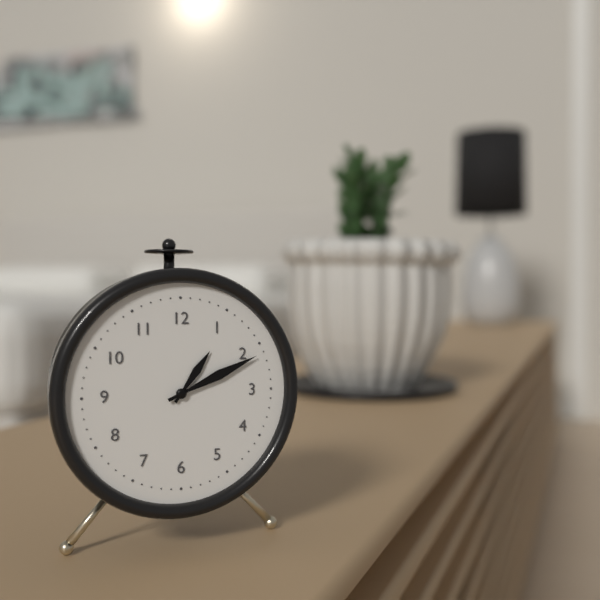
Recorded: 1 h 11 min
